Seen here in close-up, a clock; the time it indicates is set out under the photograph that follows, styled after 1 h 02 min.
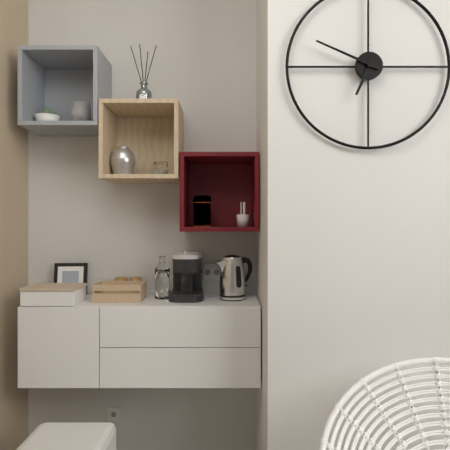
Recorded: 6 h 49 min
